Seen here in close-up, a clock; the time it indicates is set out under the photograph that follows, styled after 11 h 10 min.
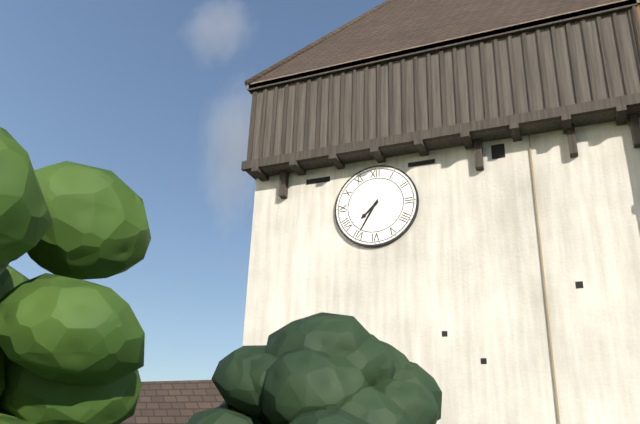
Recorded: 7 h 35 min
